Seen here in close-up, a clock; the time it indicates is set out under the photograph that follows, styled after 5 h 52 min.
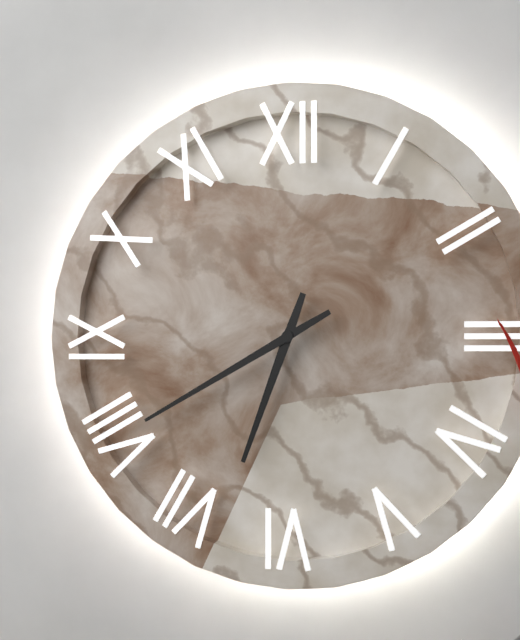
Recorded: 6 h 40 min
